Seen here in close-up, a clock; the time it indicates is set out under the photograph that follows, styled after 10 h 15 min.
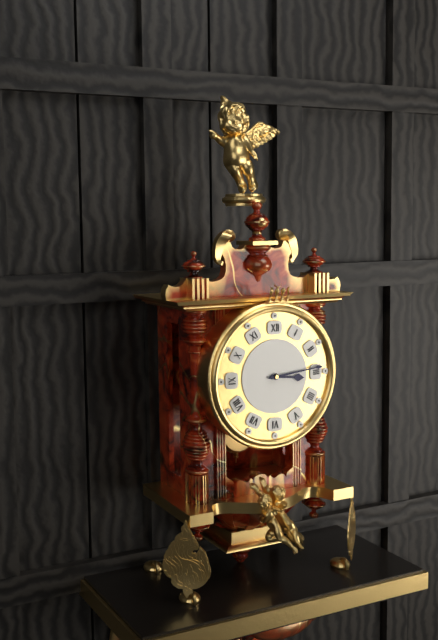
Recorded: 3 h 14 min
